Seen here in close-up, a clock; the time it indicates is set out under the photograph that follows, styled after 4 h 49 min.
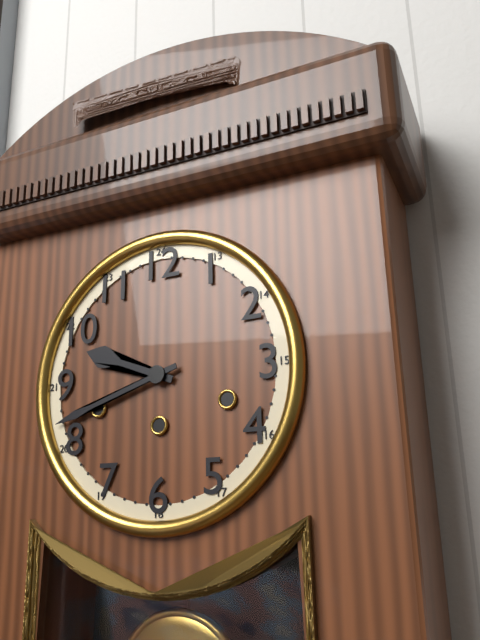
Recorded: 9 h 42 min
